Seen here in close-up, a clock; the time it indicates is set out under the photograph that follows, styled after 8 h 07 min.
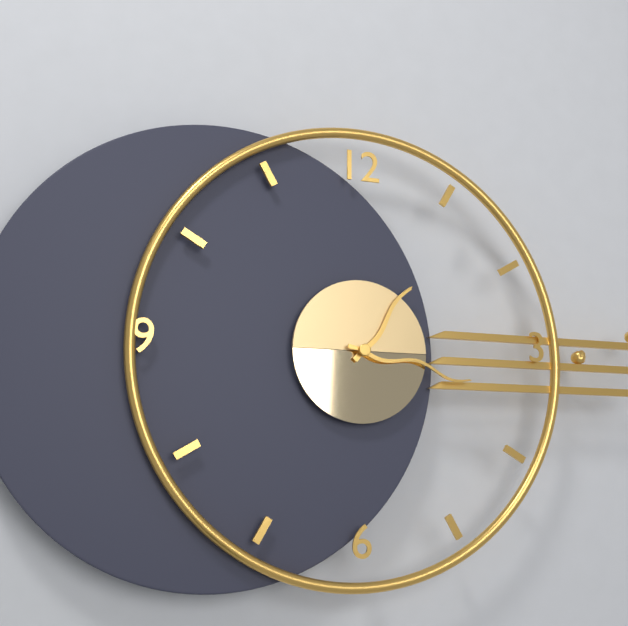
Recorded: 1 h 17 min
